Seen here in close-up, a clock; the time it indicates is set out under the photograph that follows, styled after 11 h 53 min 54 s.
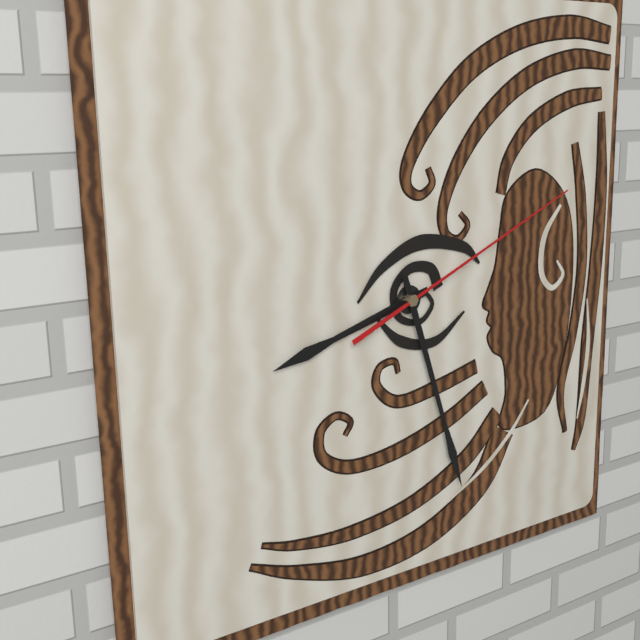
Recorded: 8 h 27 min 11 s
